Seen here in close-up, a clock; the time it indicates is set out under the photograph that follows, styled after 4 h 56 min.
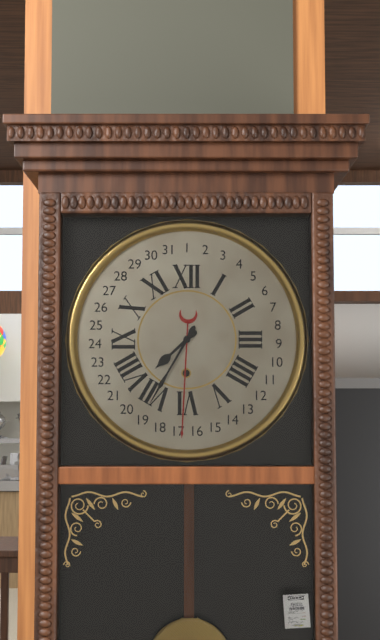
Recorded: 7 h 35 min
